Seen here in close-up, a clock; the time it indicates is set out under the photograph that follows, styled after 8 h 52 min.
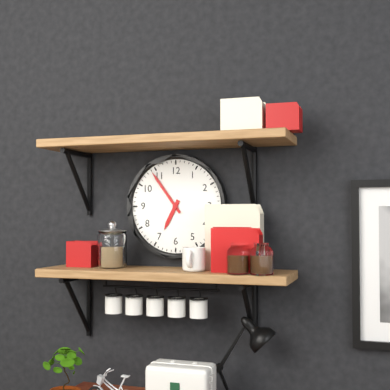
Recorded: 6 h 54 min
